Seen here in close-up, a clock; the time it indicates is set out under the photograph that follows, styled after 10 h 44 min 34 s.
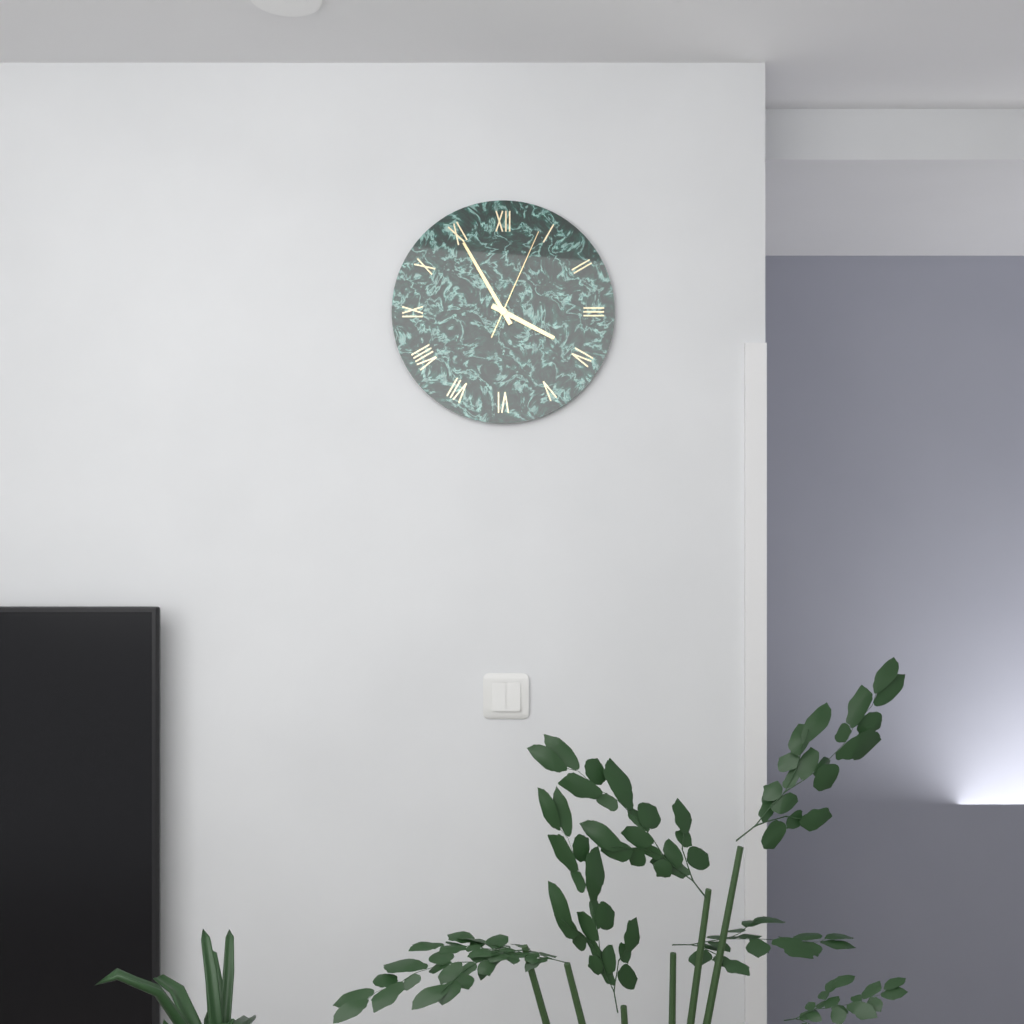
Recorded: 3 h 55 min 04 s
